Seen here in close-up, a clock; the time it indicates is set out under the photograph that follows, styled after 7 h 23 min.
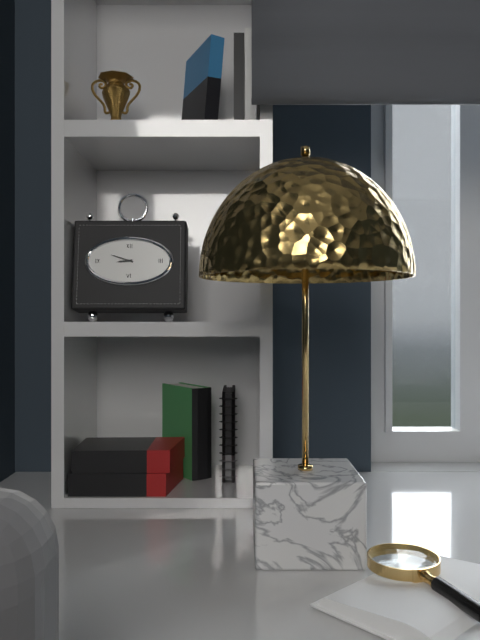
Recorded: 8 h 48 min
